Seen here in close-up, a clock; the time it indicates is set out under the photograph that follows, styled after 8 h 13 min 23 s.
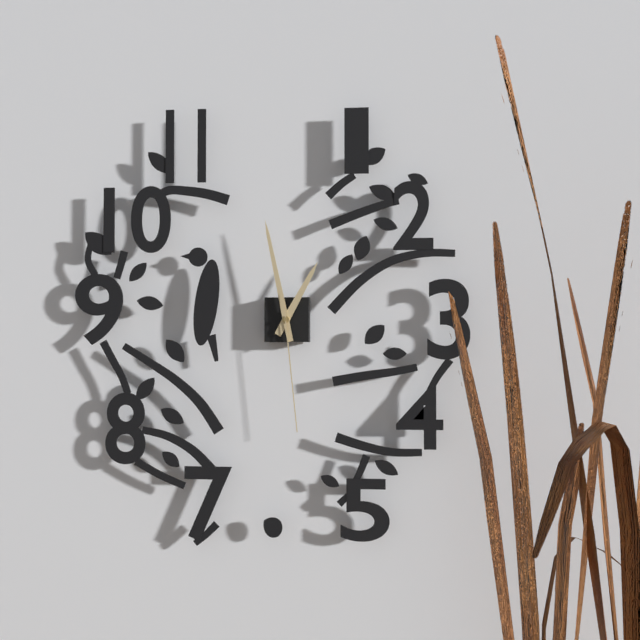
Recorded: 12 h 58 min 29 s
